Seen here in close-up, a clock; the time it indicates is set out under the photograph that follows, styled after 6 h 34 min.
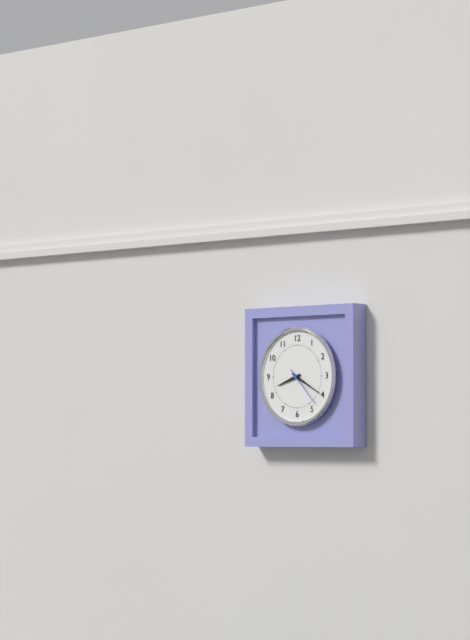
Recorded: 8 h 20 min
